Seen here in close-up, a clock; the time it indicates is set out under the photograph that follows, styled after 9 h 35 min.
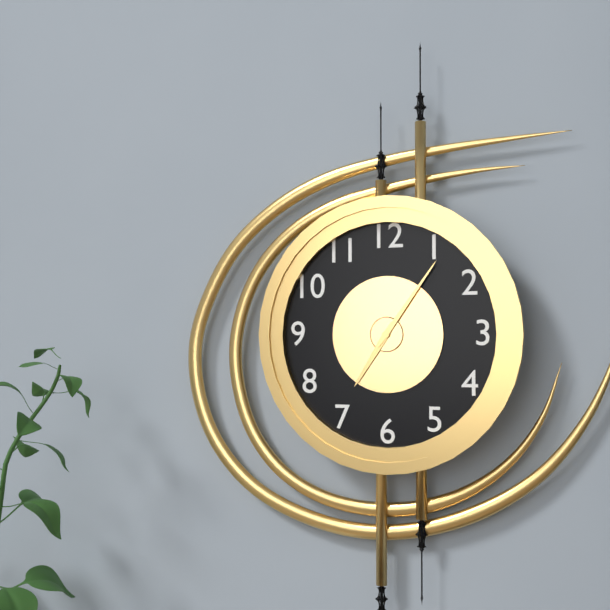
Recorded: 7 h 06 min
